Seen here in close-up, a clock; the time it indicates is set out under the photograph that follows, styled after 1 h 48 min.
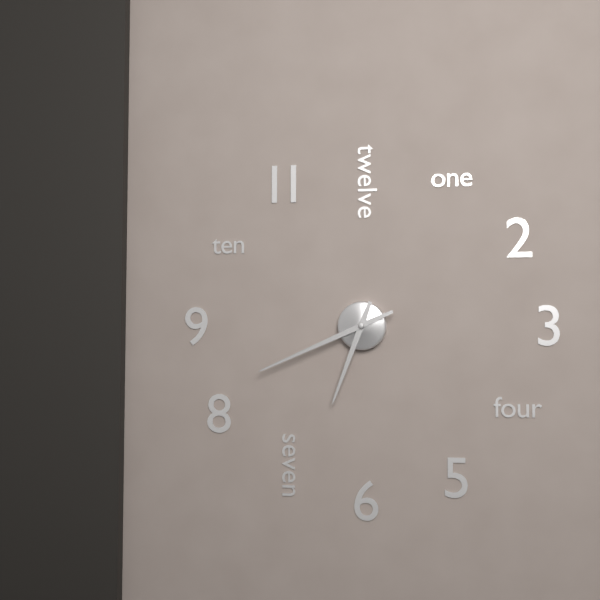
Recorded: 6 h 41 min
